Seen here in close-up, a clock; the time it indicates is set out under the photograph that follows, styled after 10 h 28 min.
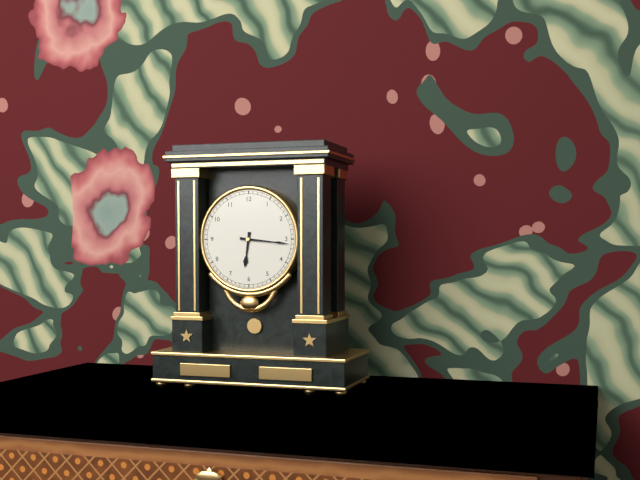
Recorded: 6 h 16 min
